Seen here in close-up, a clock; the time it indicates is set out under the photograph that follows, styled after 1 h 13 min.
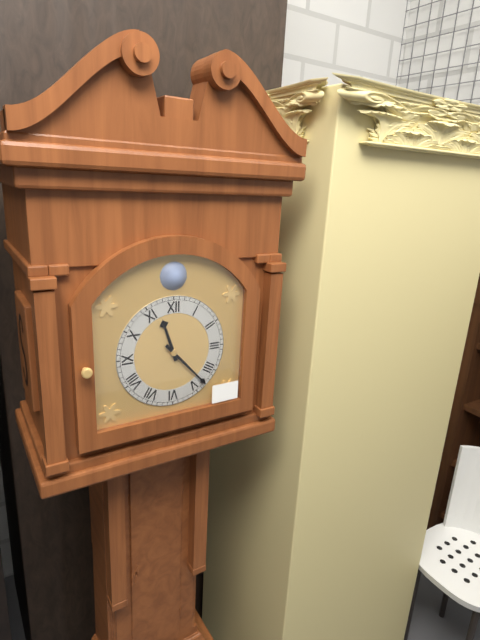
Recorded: 11 h 23 min
